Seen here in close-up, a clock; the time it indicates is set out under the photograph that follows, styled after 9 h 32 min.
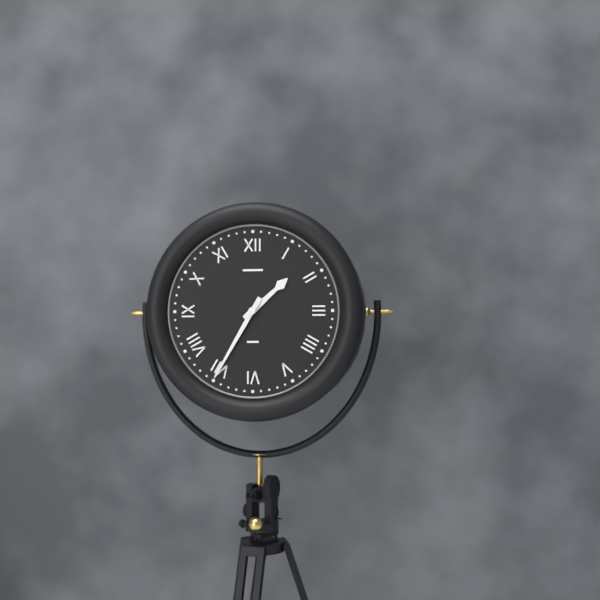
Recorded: 1 h 35 min
